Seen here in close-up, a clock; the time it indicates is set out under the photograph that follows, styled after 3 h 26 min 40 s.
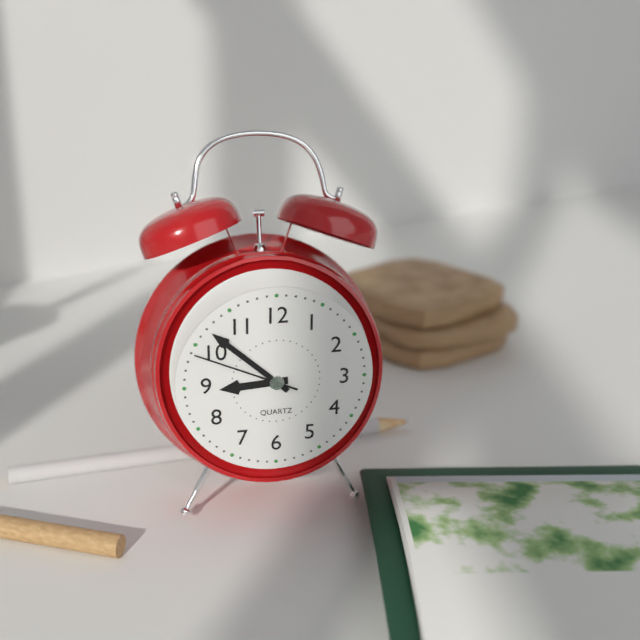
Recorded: 8 h 52 min 49 s
